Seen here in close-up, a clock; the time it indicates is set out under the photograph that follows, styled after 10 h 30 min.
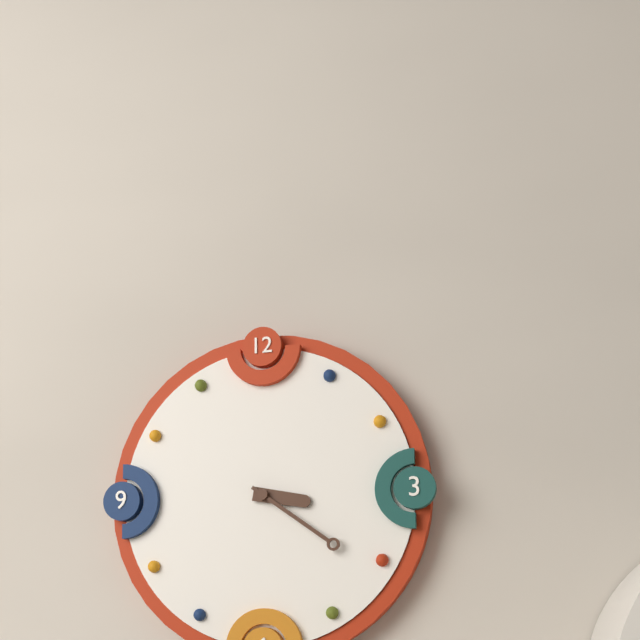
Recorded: 3 h 21 min
